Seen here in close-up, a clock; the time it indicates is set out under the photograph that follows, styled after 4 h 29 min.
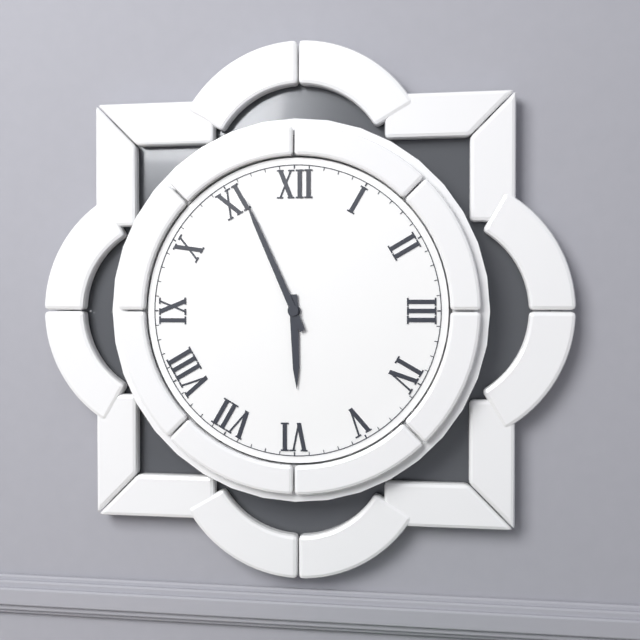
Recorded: 5 h 56 min
